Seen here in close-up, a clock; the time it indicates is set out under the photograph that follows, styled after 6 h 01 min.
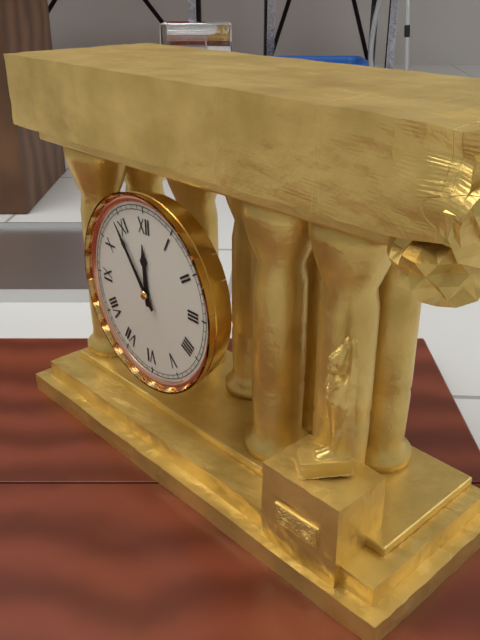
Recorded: 11 h 54 min
